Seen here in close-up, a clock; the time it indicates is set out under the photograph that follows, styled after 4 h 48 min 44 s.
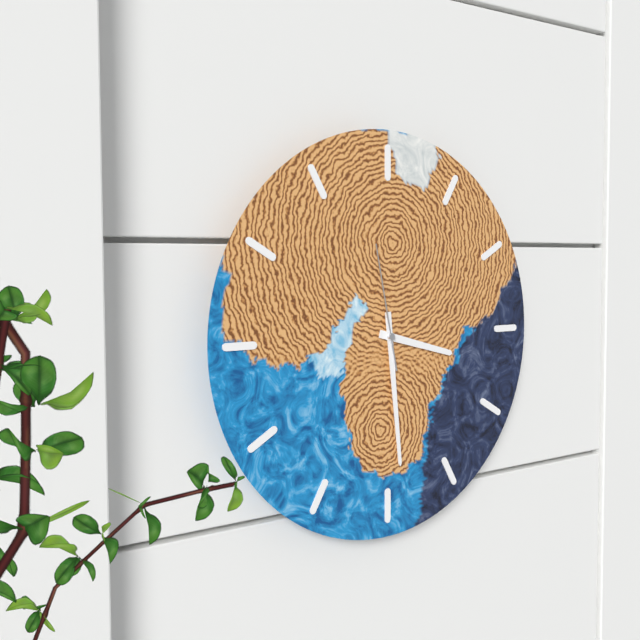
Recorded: 3 h 29 min 58 s
